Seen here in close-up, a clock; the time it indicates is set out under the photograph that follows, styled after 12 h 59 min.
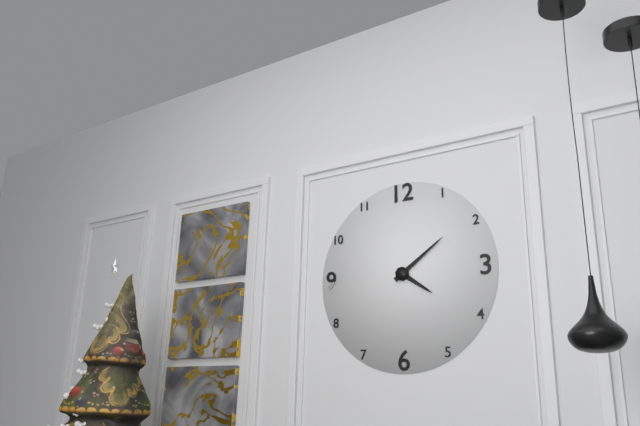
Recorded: 4 h 09 min
